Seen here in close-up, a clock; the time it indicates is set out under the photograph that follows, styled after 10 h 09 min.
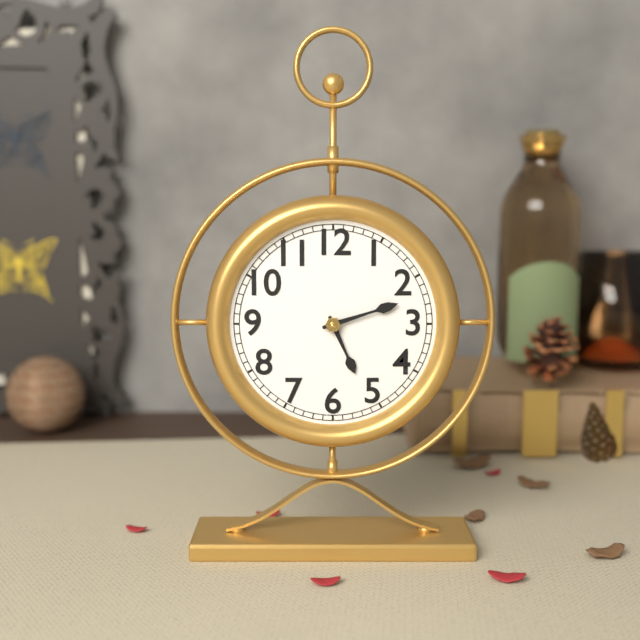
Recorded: 5 h 12 min
